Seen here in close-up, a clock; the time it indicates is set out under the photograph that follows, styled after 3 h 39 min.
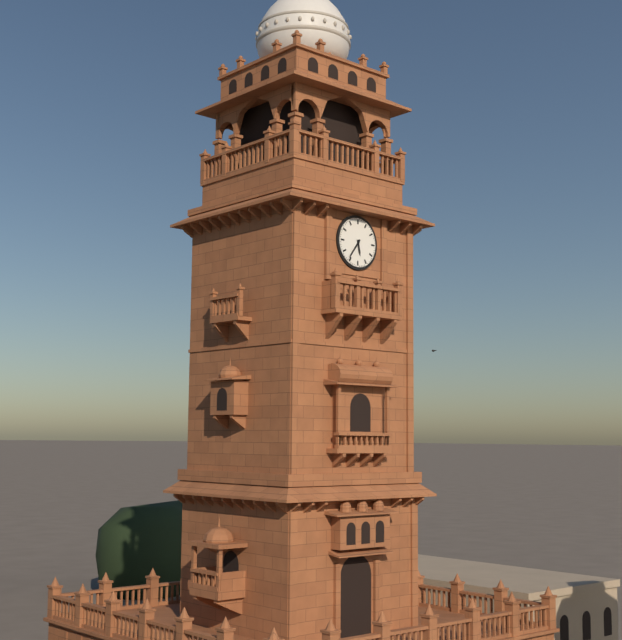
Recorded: 5 h 36 min
